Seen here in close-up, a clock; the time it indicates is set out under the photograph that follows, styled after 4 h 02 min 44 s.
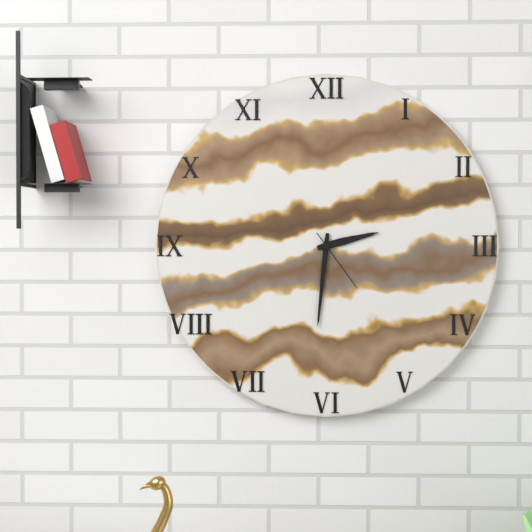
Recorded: 2 h 31 min 24 s
